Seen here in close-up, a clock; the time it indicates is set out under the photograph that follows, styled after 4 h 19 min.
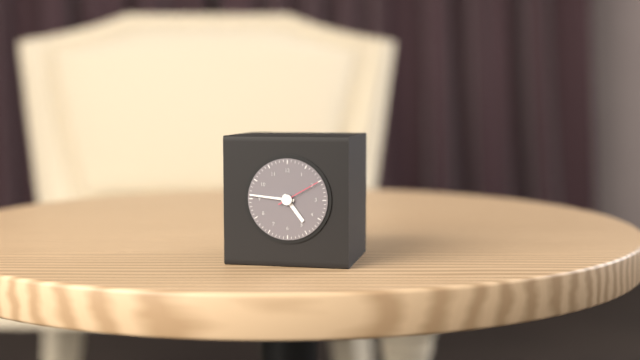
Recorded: 4 h 46 min
